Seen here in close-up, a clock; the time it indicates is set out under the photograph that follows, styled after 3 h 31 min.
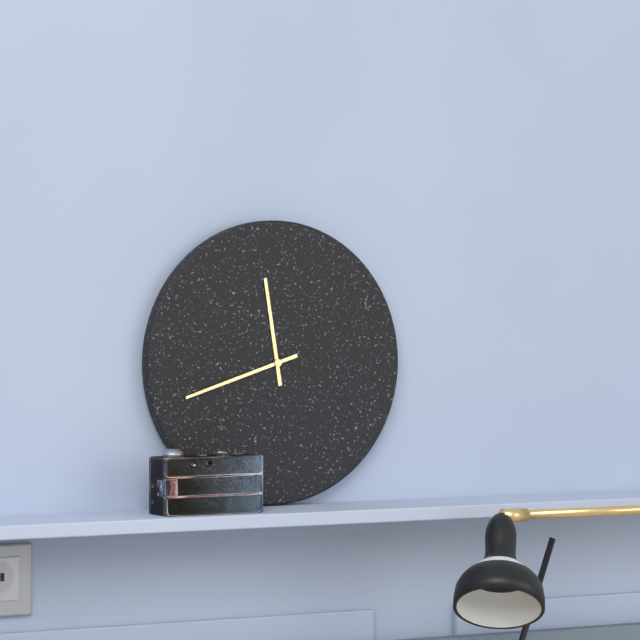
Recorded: 11 h 42 min
